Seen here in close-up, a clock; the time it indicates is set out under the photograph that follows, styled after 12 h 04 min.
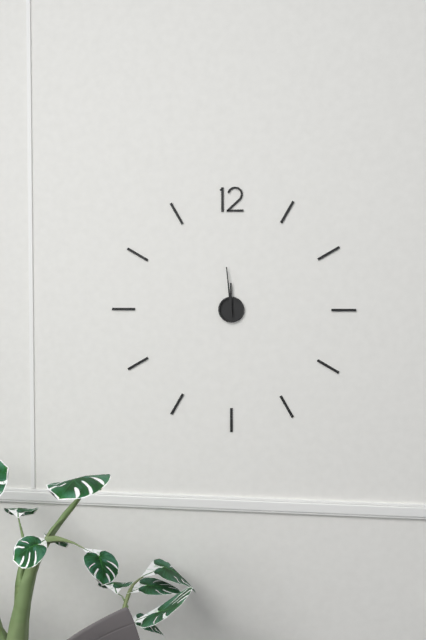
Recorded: 11 h 59 min
